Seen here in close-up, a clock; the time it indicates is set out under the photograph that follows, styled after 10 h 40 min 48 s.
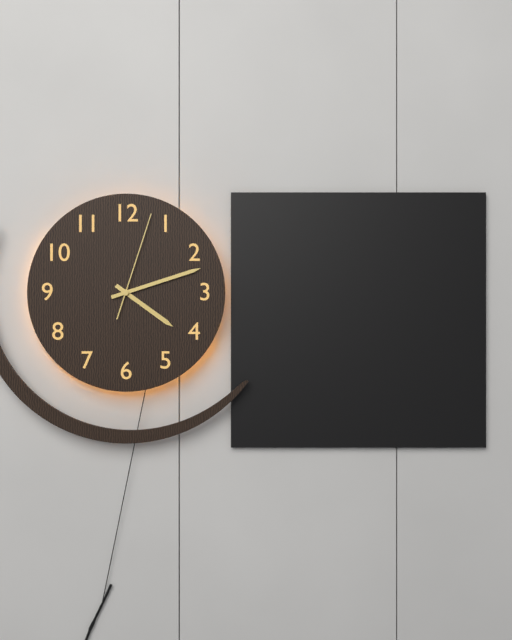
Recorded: 4 h 12 min 03 s
